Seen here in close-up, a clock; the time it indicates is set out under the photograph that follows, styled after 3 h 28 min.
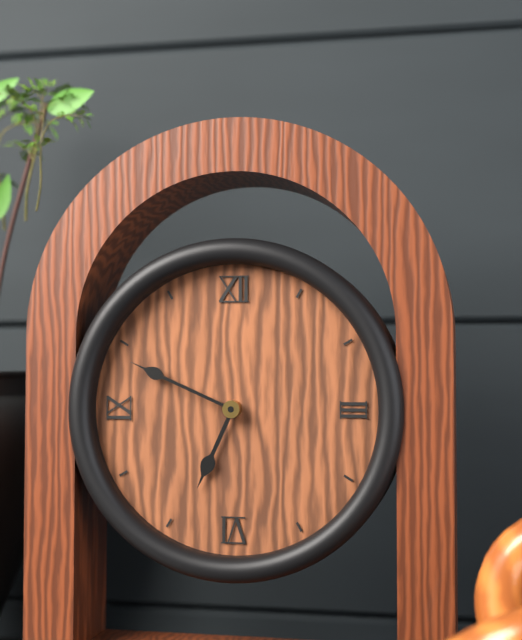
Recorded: 6 h 49 min
